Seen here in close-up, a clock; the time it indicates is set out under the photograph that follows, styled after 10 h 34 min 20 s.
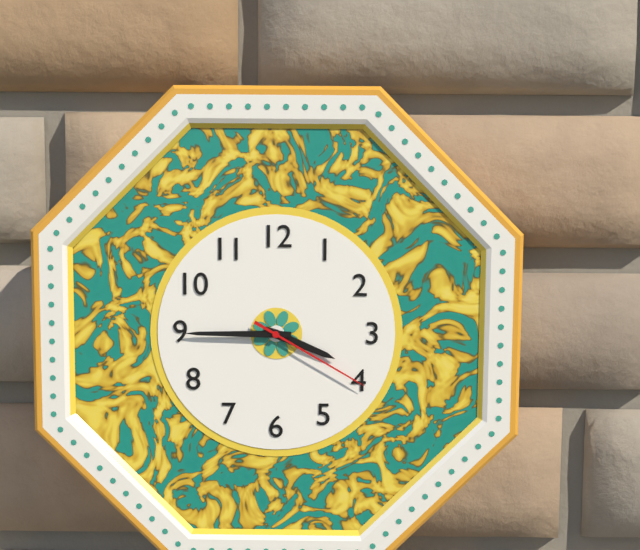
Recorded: 3 h 45 min 20 s
